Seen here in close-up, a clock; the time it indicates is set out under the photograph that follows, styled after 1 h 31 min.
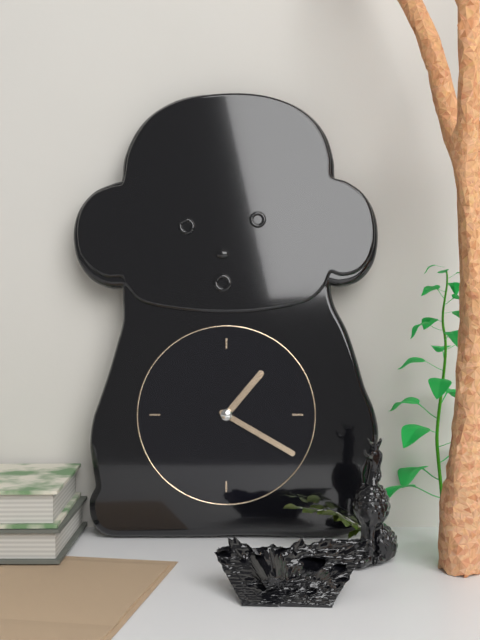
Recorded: 1 h 20 min
